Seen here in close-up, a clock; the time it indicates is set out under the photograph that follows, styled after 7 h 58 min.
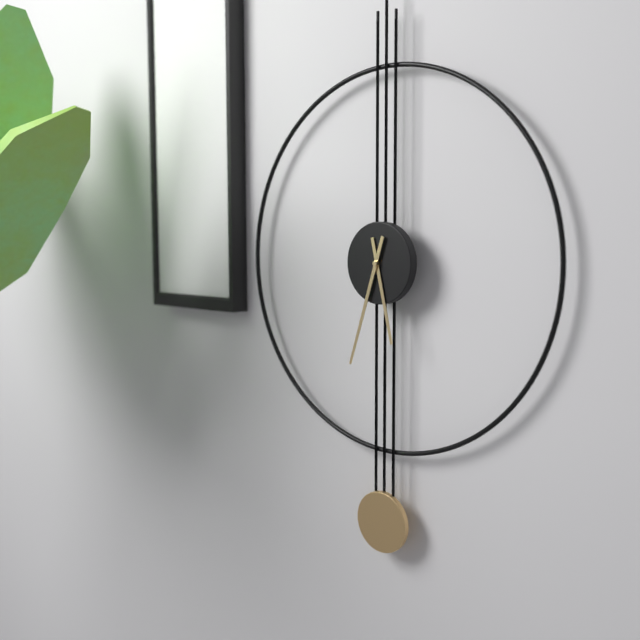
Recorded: 5 h 33 min
